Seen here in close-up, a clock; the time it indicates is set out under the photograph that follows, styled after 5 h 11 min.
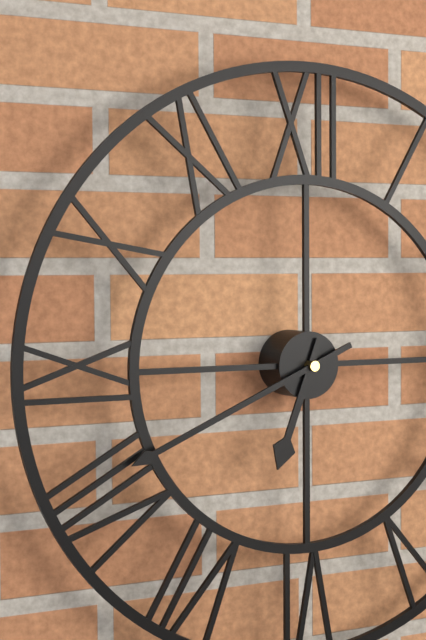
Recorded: 6 h 41 min
